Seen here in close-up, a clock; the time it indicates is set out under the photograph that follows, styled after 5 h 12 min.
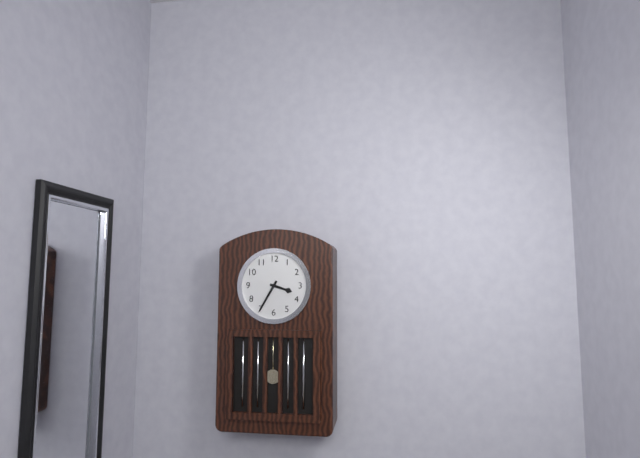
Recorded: 3 h 35 min
